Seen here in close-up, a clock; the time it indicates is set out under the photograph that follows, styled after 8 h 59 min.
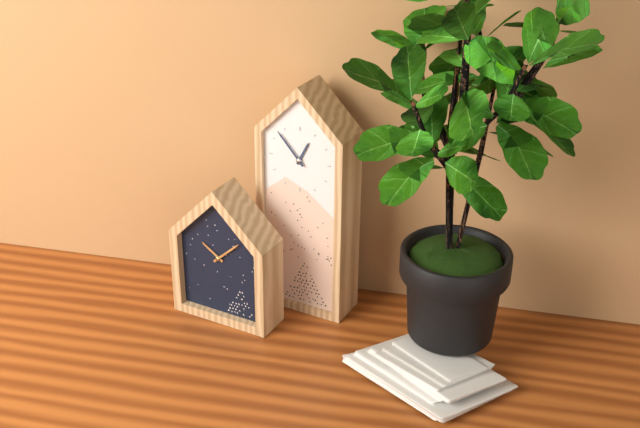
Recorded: 12 h 53 min
